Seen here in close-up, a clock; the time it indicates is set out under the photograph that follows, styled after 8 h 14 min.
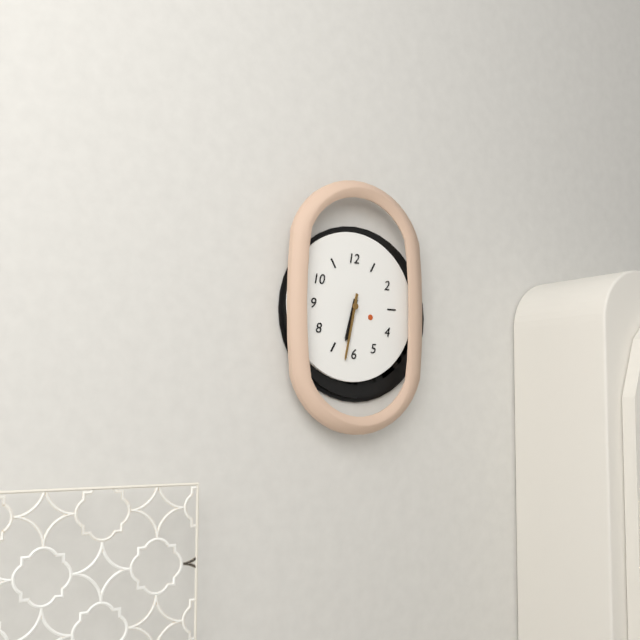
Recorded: 6 h 32 min
